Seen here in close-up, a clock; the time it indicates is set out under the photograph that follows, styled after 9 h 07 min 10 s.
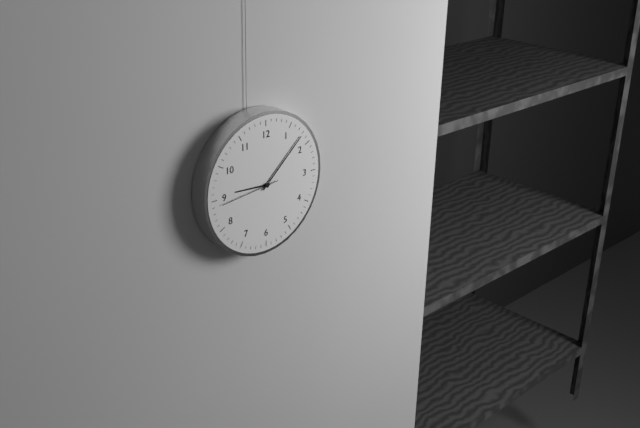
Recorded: 9 h 08 min 44 s
